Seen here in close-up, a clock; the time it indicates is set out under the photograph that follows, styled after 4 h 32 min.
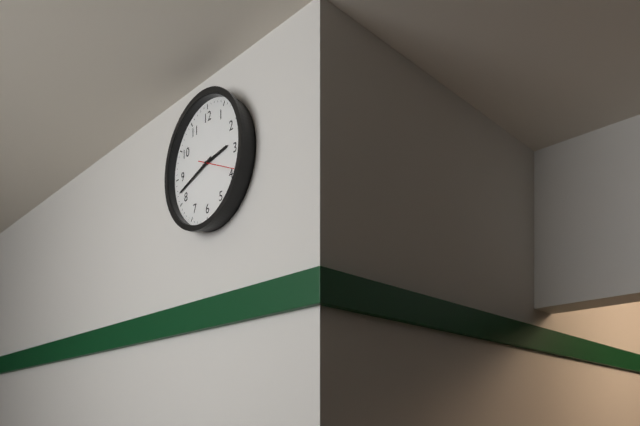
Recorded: 2 h 42 min
